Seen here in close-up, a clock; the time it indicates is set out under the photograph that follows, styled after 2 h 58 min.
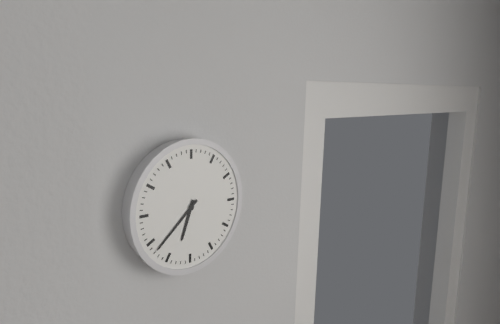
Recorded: 6 h 38 min
